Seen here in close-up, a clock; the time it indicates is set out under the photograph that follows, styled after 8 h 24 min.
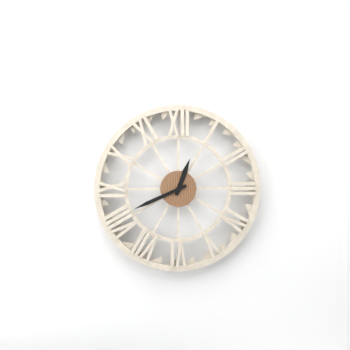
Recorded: 12 h 41 min
